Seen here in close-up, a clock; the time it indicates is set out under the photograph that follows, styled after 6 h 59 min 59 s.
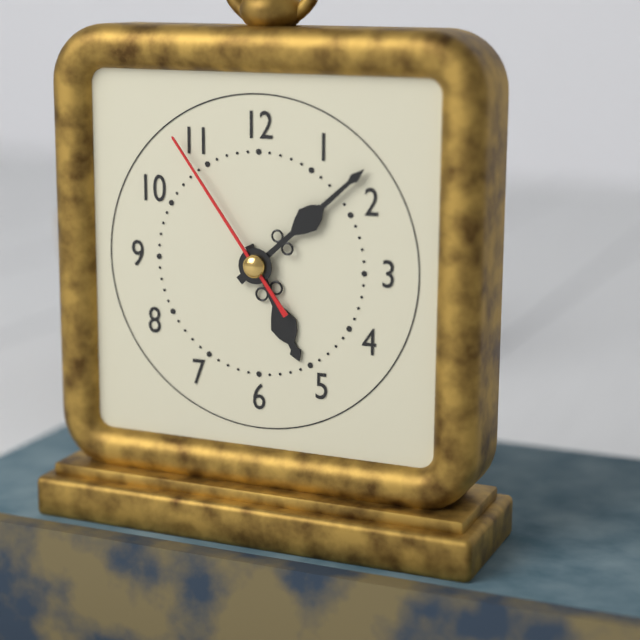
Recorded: 5 h 08 min 54 s
